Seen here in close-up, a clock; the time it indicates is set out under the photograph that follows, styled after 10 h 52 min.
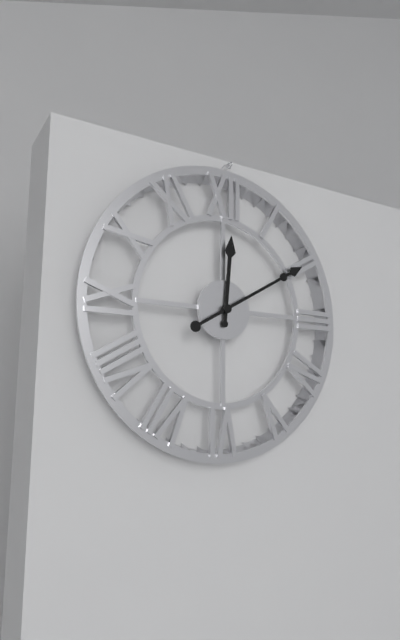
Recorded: 12 h 10 min
